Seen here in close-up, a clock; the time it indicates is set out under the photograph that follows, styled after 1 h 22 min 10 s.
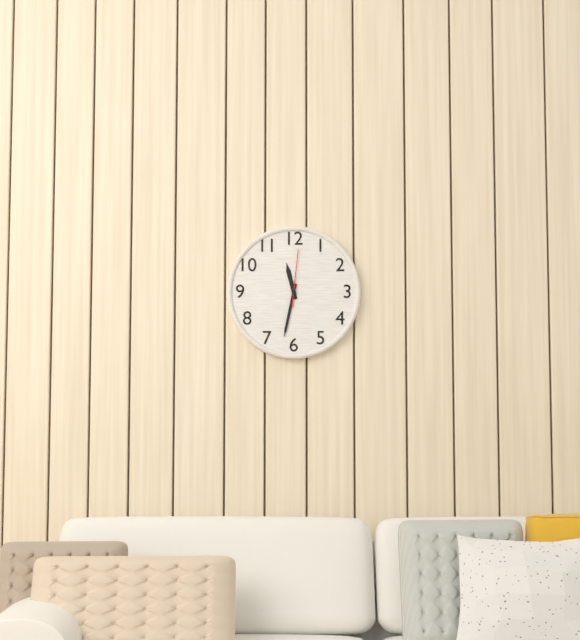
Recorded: 11 h 32 min 01 s
